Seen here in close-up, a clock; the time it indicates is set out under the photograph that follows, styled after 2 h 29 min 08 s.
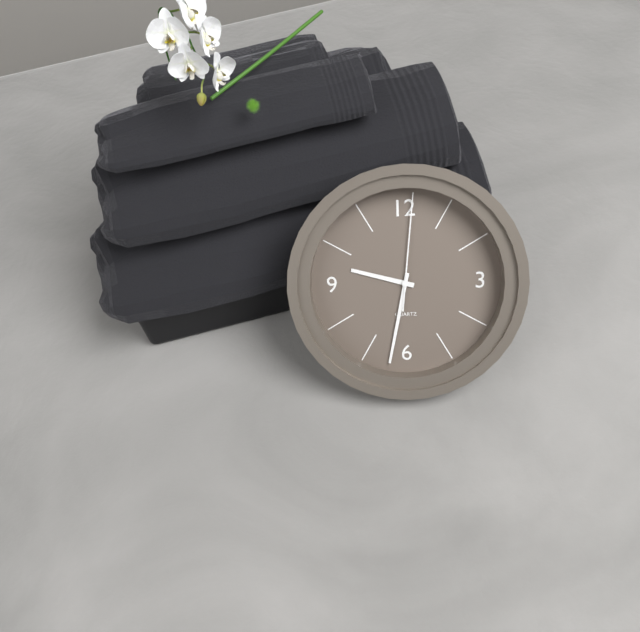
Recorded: 9 h 32 min 01 s
